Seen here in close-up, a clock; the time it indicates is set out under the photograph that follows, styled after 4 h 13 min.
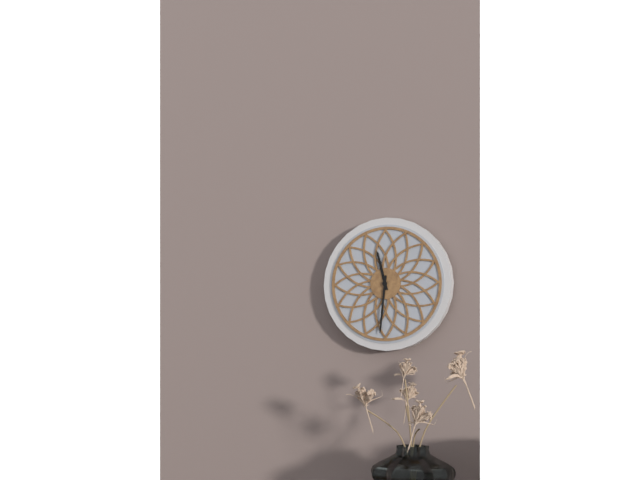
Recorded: 11 h 31 min
